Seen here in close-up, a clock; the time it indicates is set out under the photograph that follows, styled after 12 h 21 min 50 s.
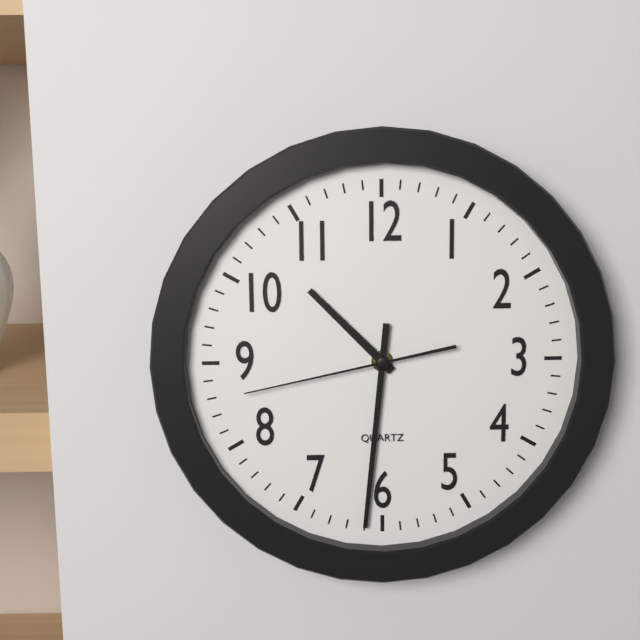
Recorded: 10 h 31 min 43 s
